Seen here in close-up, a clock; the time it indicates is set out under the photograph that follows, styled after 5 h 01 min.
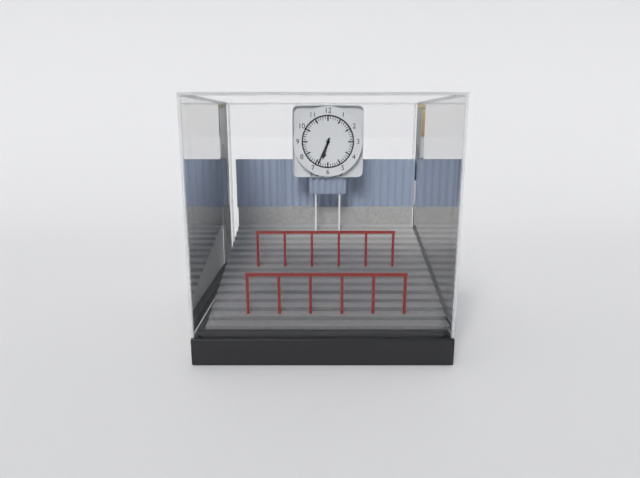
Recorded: 6 h 34 min
